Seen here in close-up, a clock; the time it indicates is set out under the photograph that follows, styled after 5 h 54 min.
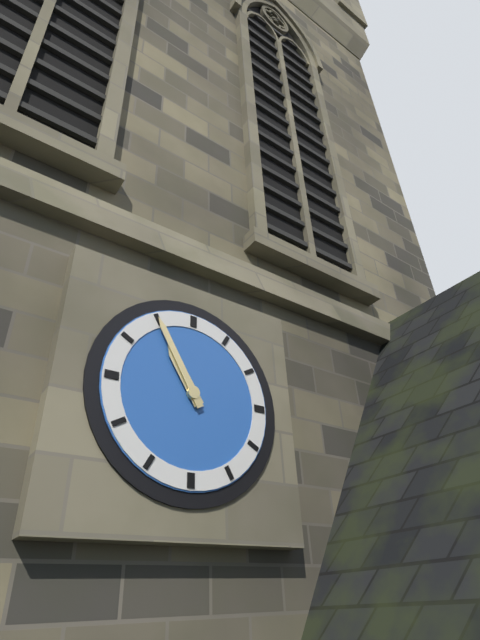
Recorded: 10 h 55 min
